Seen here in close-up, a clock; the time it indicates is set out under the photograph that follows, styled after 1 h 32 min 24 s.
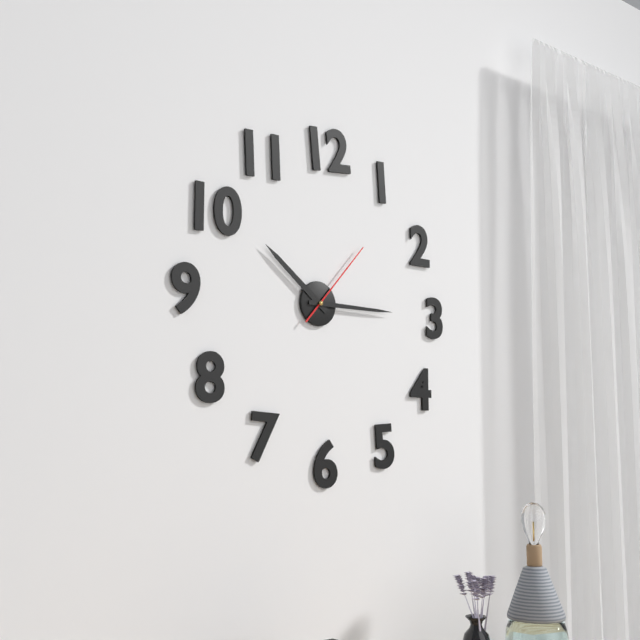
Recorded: 10 h 15 min 07 s
